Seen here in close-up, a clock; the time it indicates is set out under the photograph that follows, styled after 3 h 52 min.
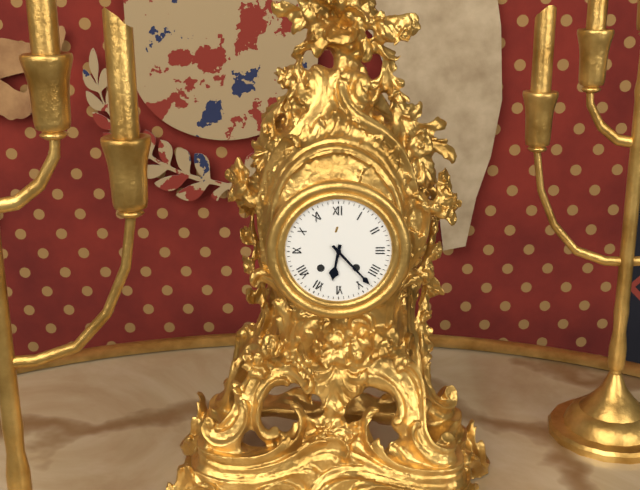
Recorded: 6 h 23 min
